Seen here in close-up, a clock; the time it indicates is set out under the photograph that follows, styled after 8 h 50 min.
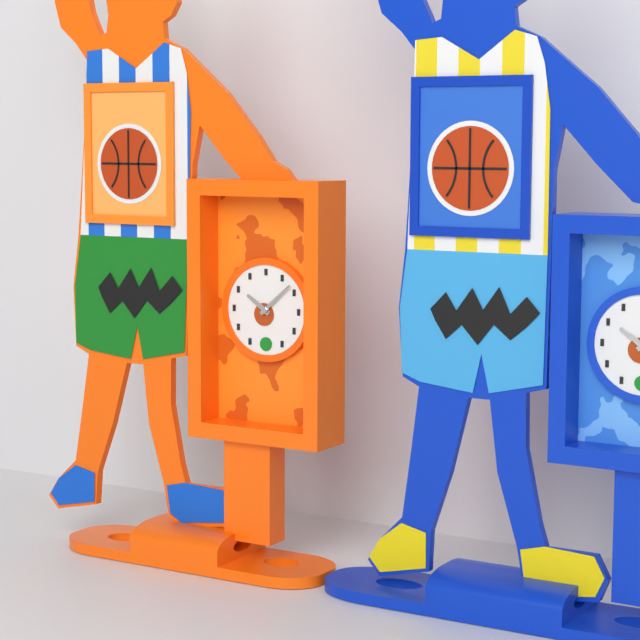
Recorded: 10 h 08 min
